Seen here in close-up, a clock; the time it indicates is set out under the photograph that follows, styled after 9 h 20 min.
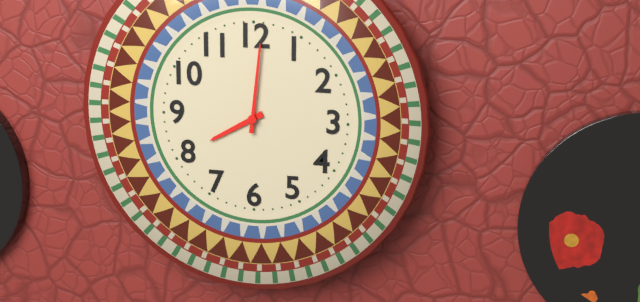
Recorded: 8 h 01 min
